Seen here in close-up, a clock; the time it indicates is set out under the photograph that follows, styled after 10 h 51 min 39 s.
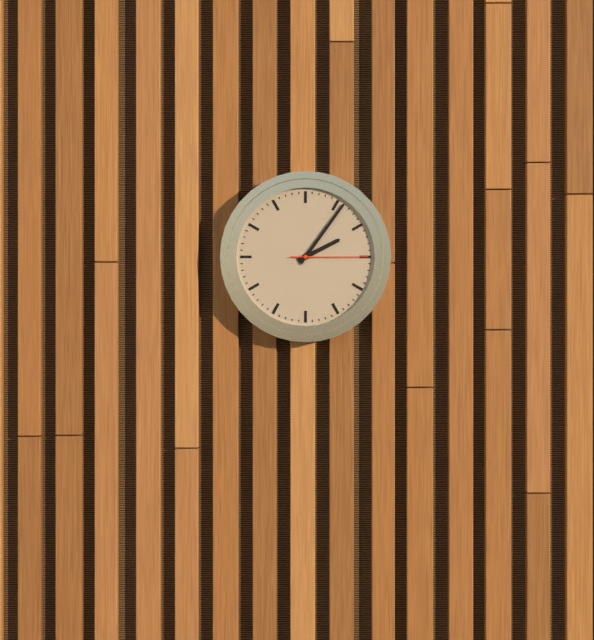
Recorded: 2 h 06 min 15 s
